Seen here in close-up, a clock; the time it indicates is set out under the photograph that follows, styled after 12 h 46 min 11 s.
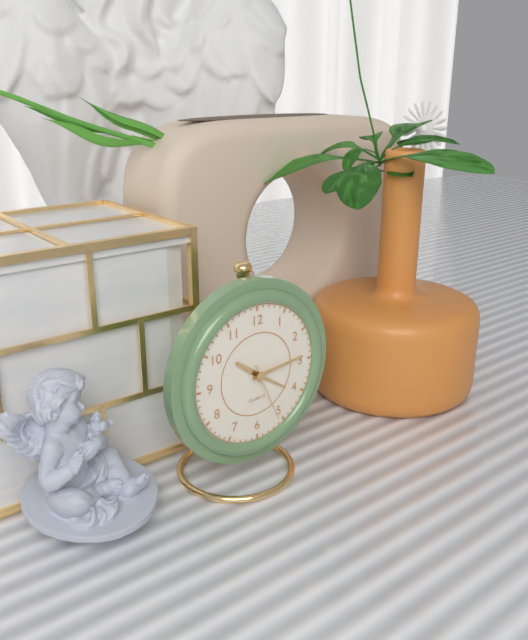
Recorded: 10 h 14 min 26 s
